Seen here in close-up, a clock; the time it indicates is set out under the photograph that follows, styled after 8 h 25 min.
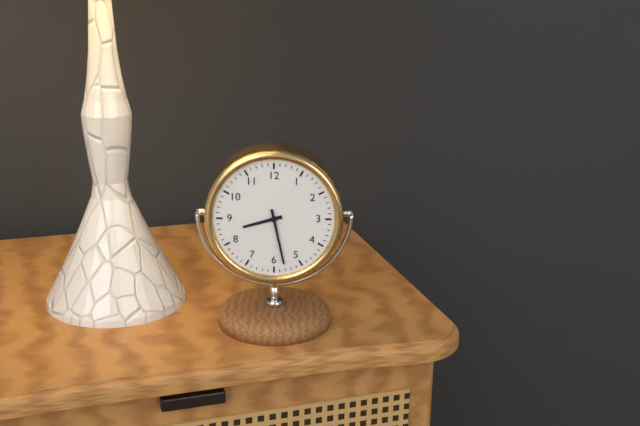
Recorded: 8 h 28 min
